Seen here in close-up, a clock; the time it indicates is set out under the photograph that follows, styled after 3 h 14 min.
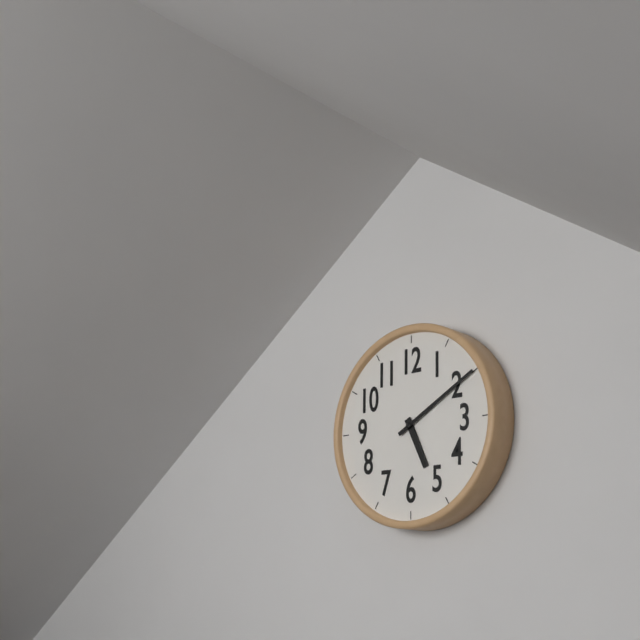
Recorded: 5 h 10 min
